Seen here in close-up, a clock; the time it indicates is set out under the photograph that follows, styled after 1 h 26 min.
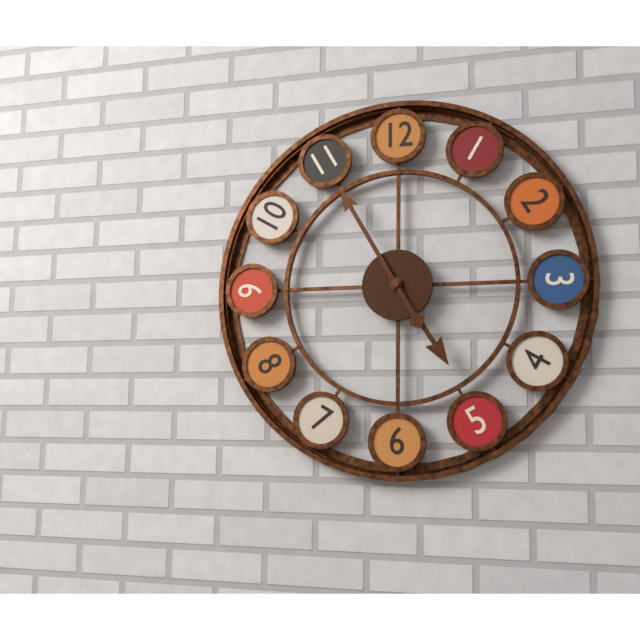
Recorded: 4 h 55 min
